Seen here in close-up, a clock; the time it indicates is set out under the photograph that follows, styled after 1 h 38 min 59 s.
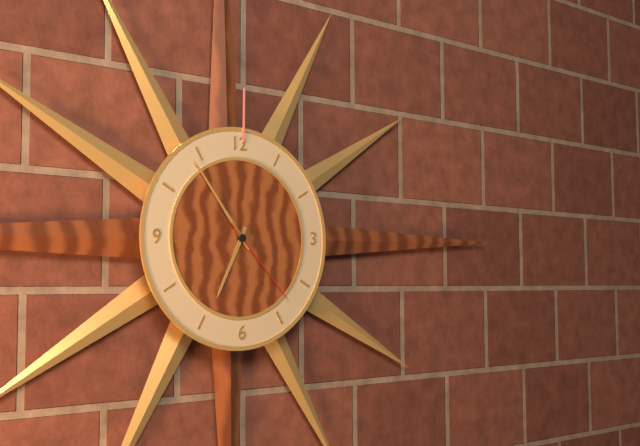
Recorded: 6 h 54 min 23 s
